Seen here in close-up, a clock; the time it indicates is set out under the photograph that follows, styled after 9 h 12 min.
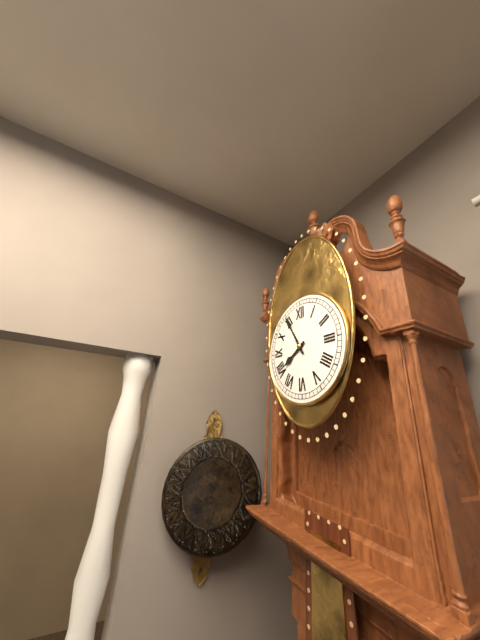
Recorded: 7 h 55 min
